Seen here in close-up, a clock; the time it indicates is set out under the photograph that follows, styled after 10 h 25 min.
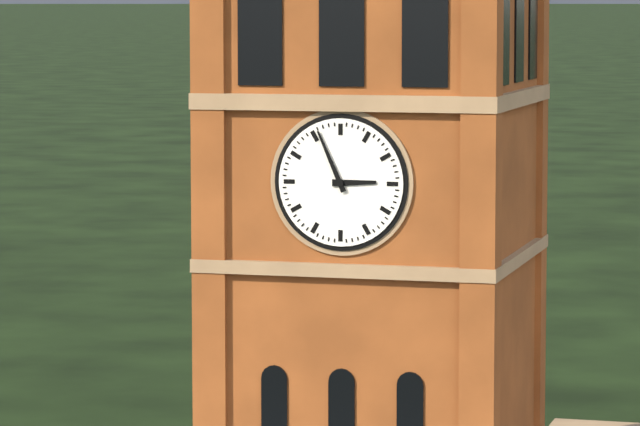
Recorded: 2 h 56 min
